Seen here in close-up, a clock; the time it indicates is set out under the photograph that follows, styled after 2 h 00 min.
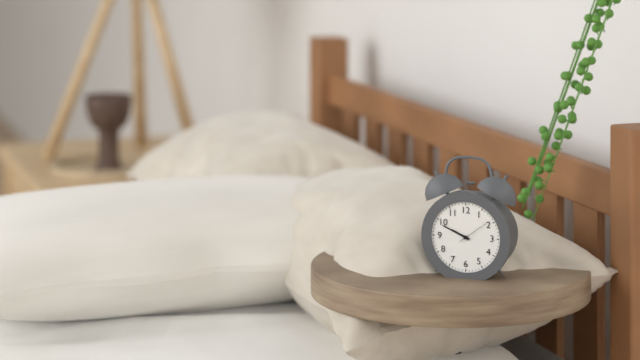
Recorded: 9 h 49 min
